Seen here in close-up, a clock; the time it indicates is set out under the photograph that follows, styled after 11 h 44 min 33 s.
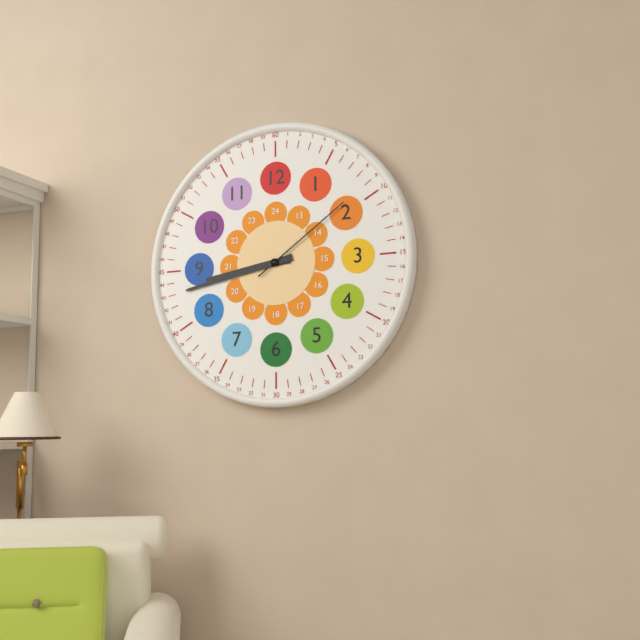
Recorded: 8 h 43 min 09 s
